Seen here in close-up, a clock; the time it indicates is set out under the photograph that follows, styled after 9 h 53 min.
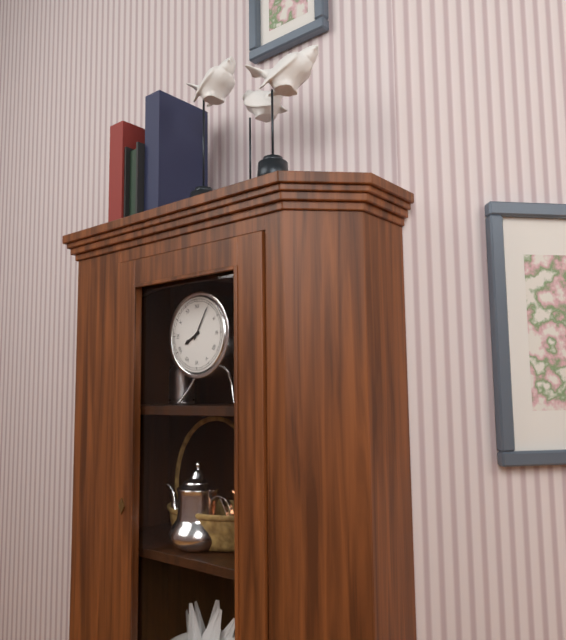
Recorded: 8 h 05 min
